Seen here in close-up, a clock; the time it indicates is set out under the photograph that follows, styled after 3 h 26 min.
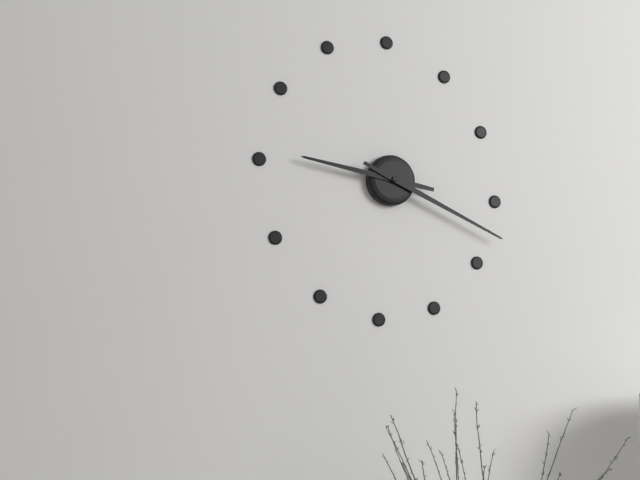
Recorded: 9 h 19 min
